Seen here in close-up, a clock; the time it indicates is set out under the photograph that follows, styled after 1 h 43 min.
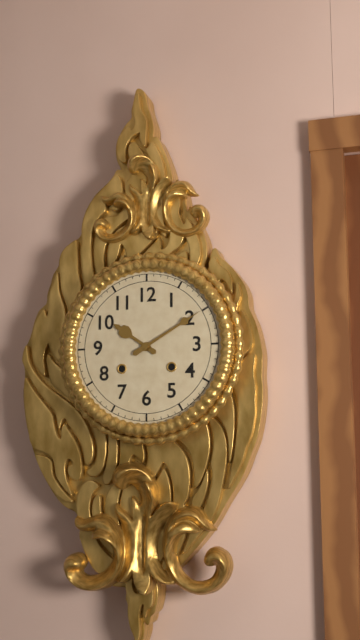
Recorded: 10 h 10 min
